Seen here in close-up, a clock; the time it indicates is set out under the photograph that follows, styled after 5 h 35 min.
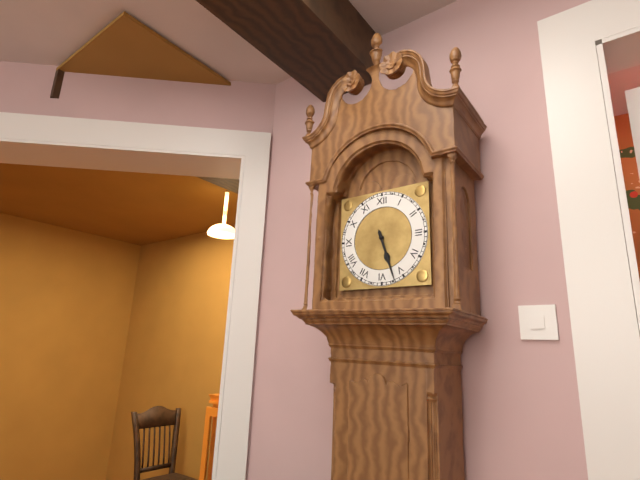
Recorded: 5 h 27 min
